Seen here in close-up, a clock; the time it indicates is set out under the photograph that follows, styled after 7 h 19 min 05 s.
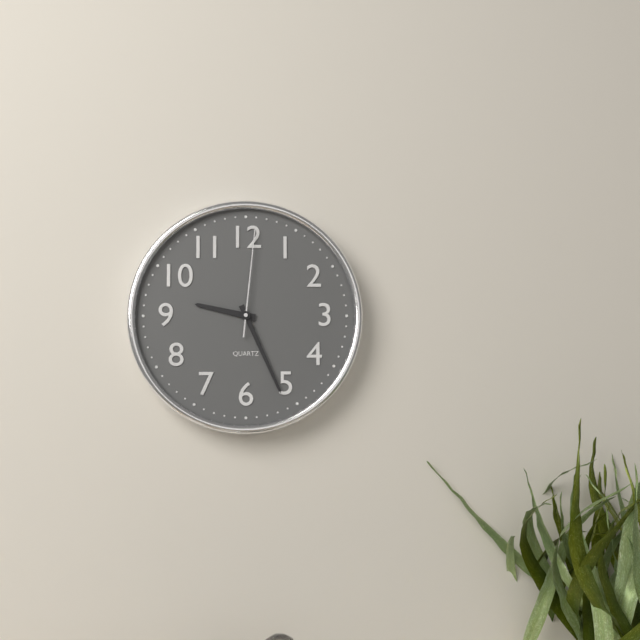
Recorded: 9 h 26 min 01 s
